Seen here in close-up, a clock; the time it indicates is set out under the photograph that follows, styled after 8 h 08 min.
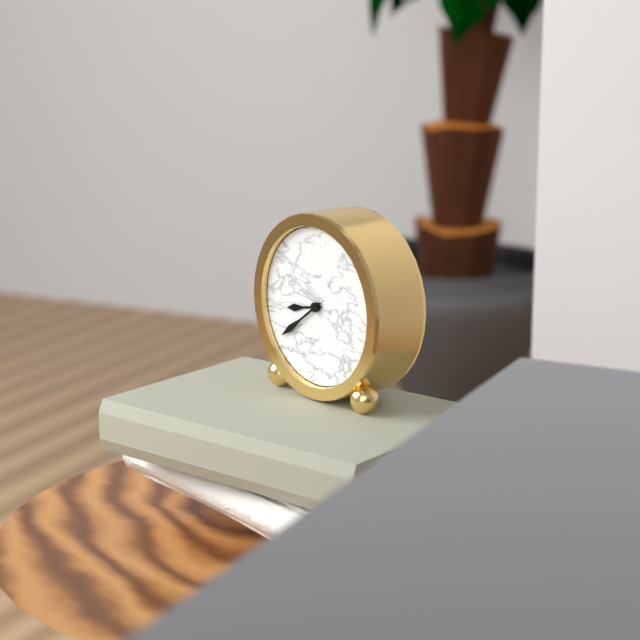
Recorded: 8 h 39 min
